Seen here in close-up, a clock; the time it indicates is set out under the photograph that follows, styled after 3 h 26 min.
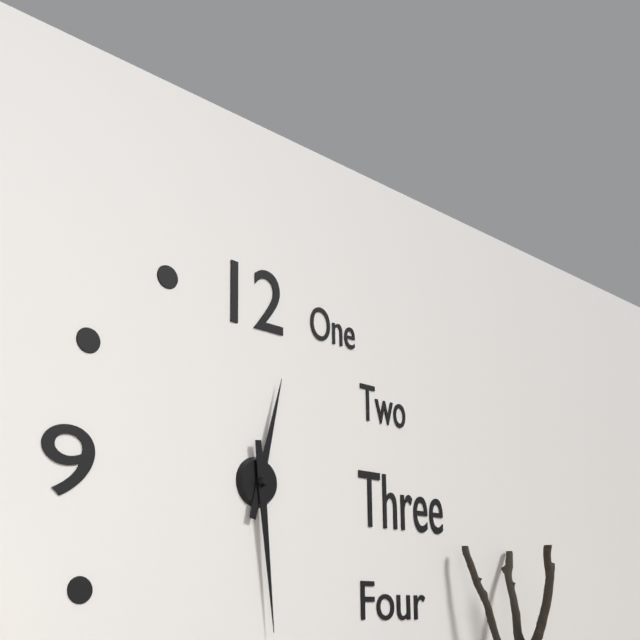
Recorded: 12 h 29 min
